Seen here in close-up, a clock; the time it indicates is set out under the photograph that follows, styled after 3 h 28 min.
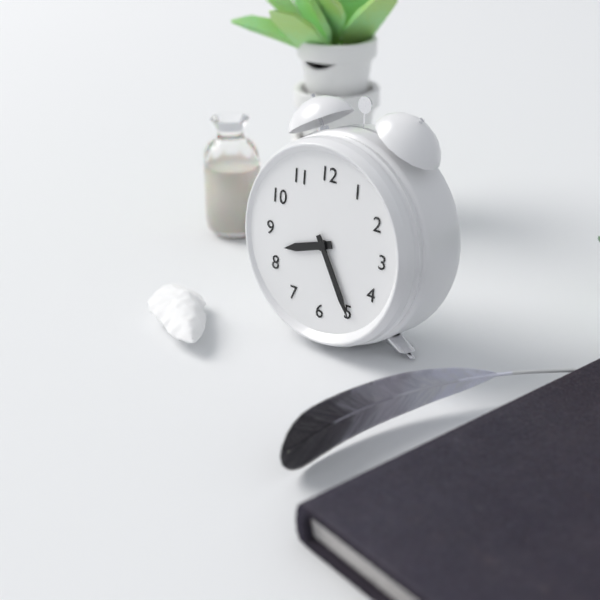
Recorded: 8 h 25 min
